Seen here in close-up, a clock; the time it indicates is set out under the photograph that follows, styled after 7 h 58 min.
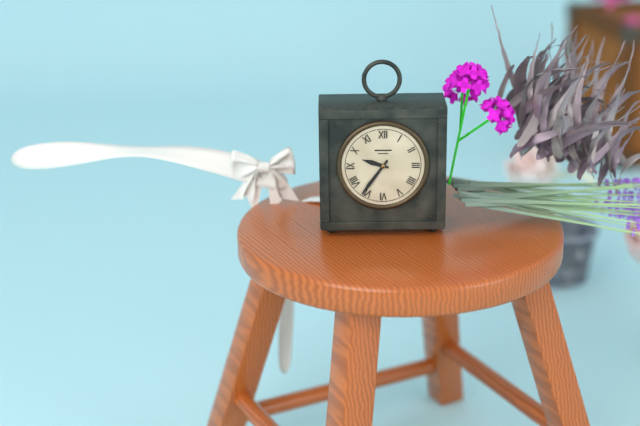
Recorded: 9 h 36 min
